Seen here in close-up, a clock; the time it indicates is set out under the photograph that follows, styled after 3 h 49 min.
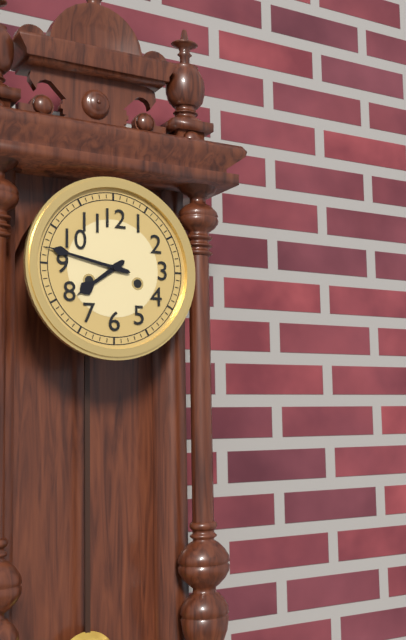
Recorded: 7 h 47 min
